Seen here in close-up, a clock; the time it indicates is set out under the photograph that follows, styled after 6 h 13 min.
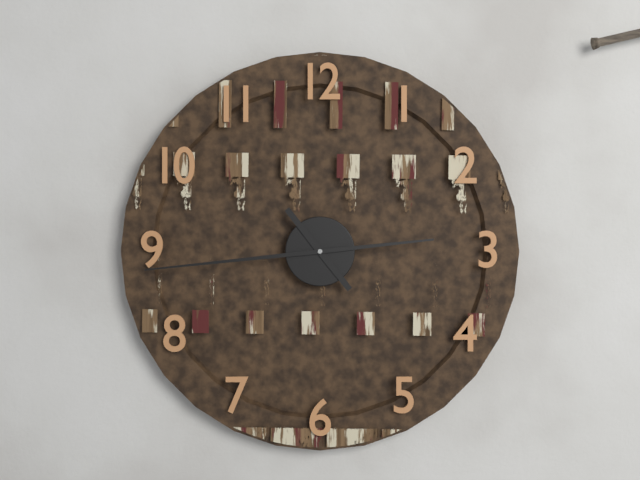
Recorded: 10 h 44 min
